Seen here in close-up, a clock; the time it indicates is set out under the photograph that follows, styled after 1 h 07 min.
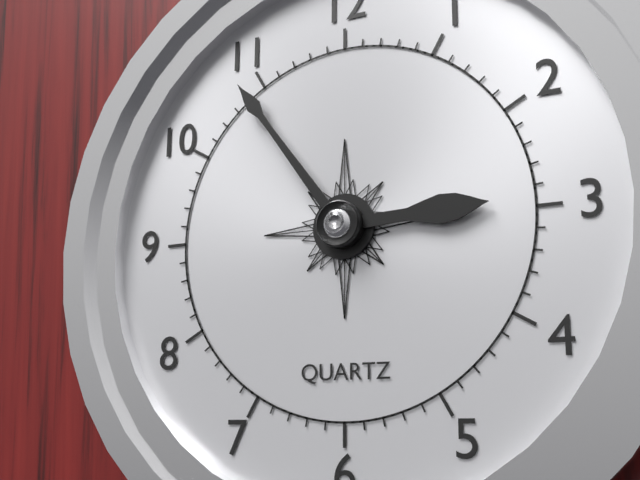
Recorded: 2 h 54 min
